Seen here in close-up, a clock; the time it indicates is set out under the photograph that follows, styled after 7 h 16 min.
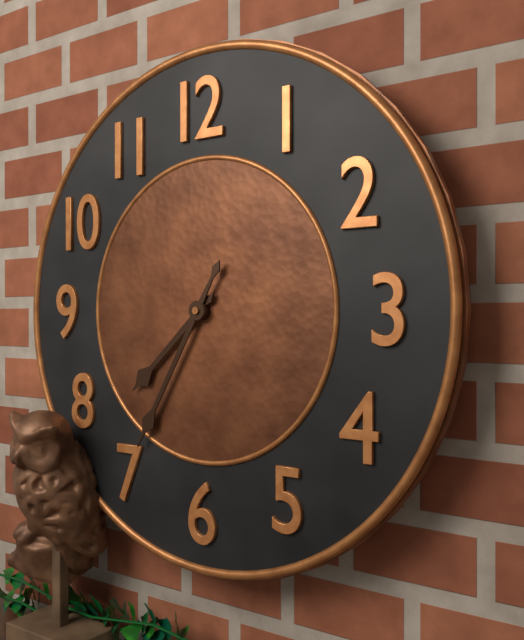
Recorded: 7 h 35 min
